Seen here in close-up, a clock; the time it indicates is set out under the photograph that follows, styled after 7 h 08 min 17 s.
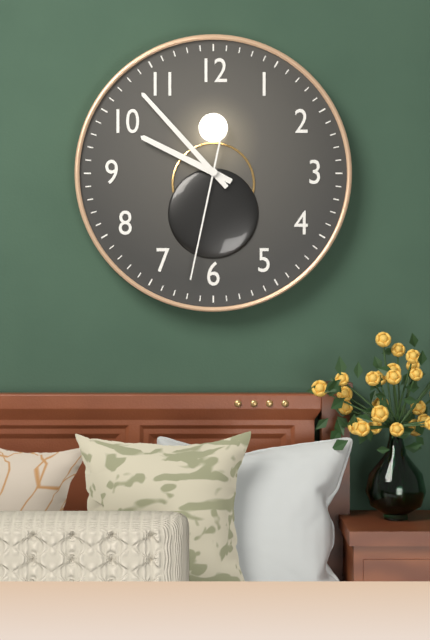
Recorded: 9 h 53 min 32 s
